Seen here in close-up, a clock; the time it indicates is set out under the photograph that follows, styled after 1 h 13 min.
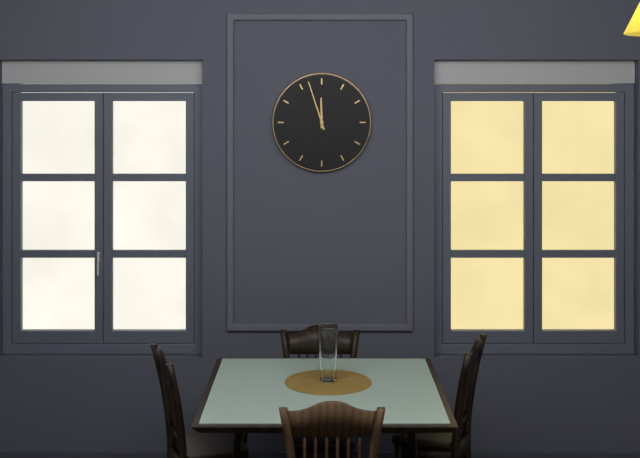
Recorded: 11 h 57 min
